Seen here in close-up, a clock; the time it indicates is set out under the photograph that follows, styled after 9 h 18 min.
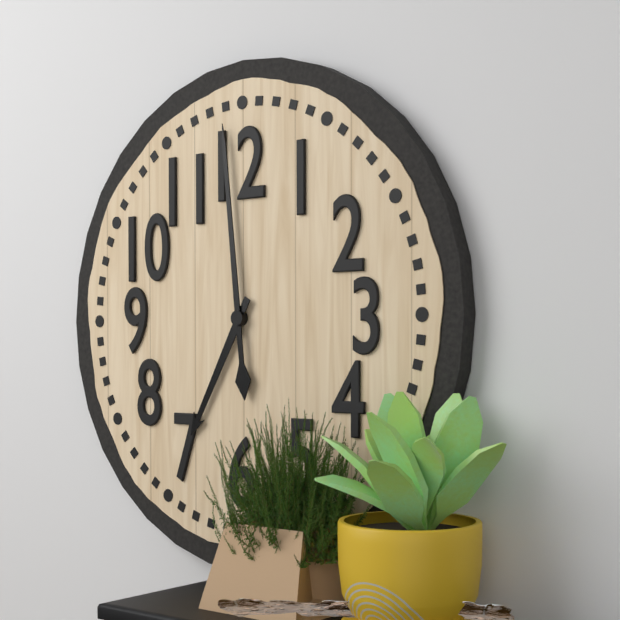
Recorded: 6 h 59 min
